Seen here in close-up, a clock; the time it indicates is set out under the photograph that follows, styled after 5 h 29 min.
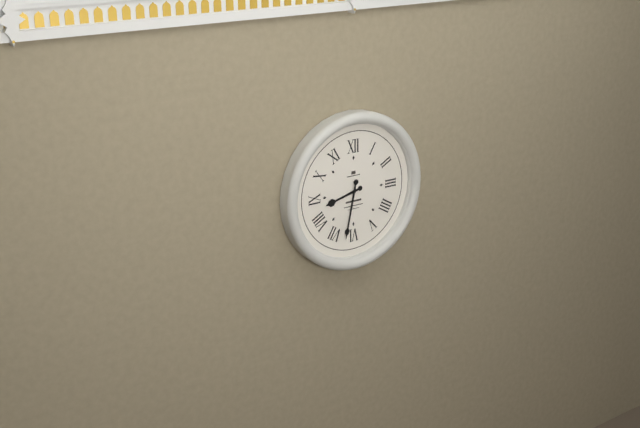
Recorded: 8 h 32 min
